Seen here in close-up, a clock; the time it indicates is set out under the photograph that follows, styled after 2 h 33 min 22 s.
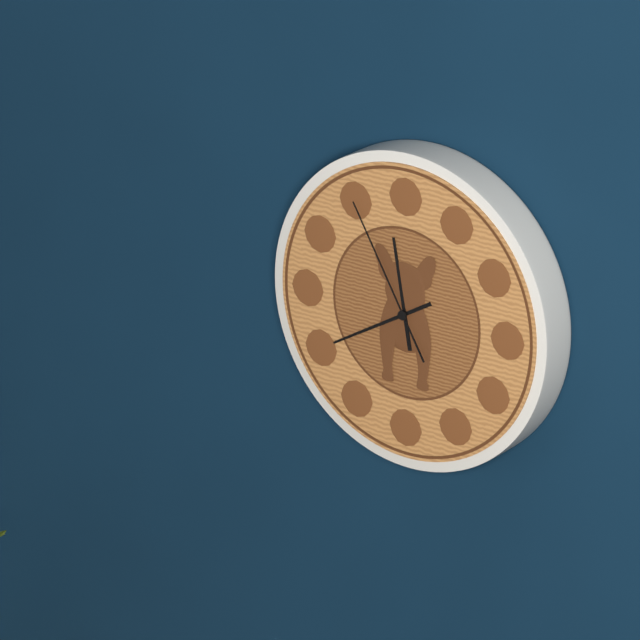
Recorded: 11 h 40 min 55 s
